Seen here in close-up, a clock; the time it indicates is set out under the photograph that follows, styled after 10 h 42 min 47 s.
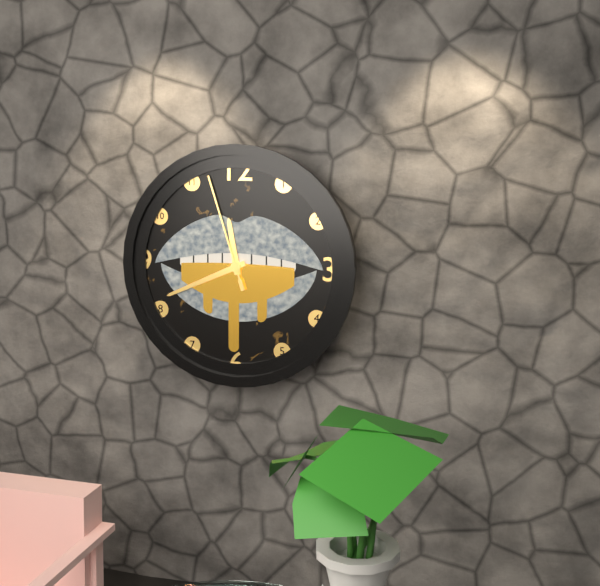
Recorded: 11 h 41 min 57 s
